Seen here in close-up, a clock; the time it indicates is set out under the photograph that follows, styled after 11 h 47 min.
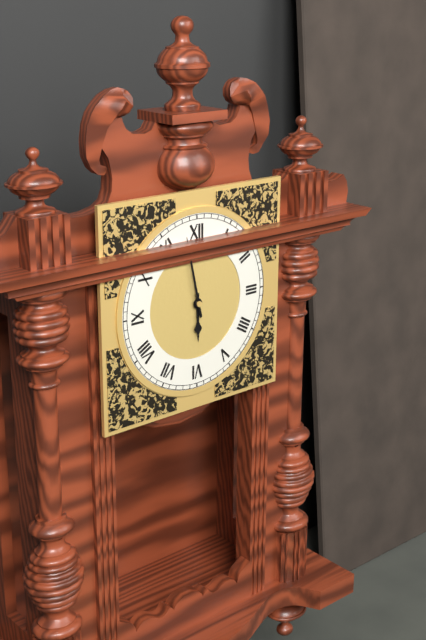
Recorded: 5 h 58 min
